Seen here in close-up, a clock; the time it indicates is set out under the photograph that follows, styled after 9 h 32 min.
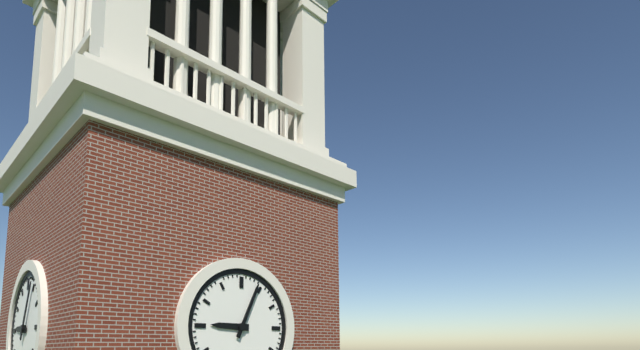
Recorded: 9 h 04 min
